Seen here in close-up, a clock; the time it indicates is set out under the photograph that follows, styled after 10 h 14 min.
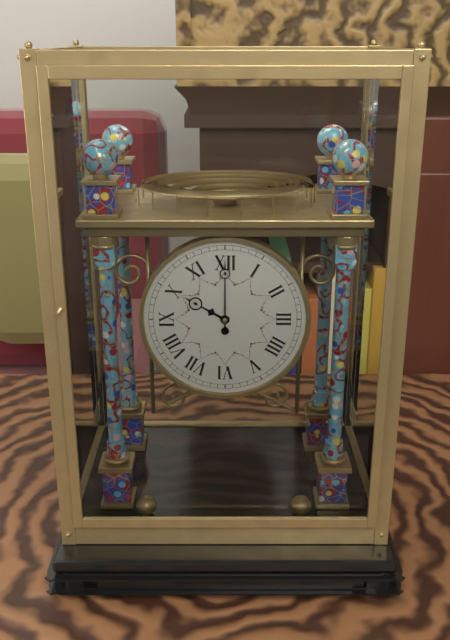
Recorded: 10 h 00 min
